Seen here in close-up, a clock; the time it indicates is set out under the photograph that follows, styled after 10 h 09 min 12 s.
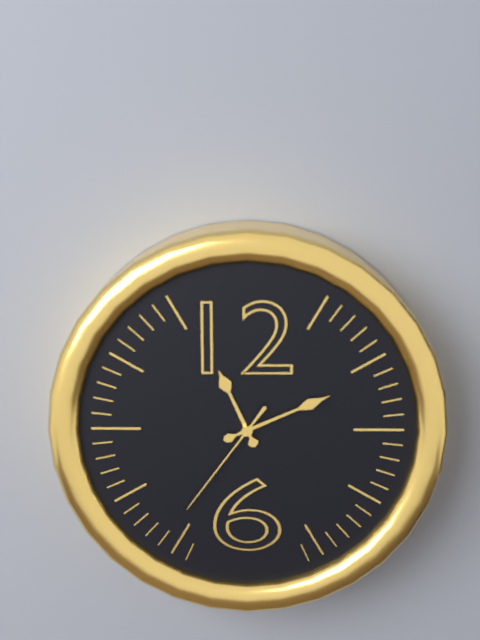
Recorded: 11 h 11 min 36 s
